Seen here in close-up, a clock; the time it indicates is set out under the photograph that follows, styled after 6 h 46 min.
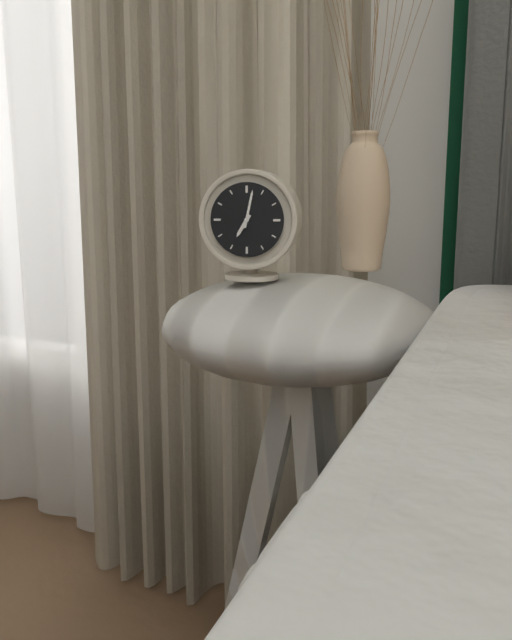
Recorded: 7 h 02 min
